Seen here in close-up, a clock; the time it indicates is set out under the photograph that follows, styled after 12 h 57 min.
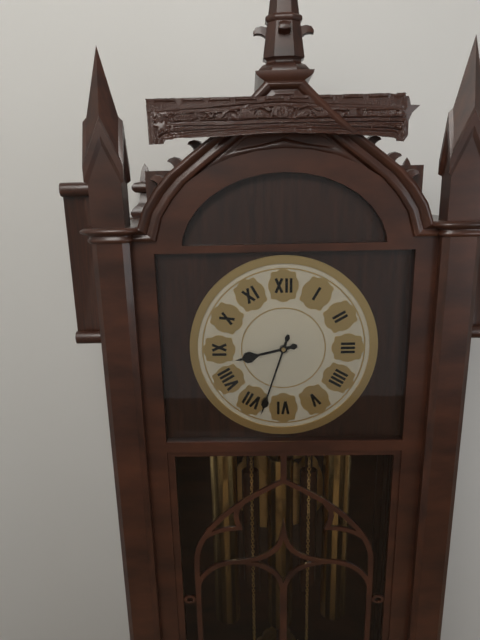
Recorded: 8 h 33 min
